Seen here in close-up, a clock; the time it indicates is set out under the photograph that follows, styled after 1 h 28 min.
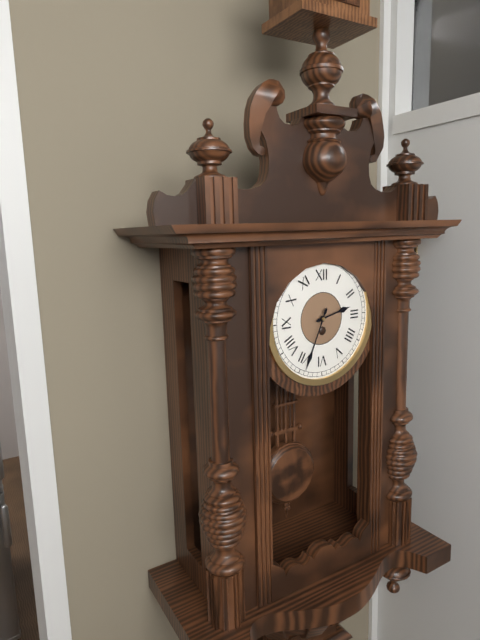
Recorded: 2 h 34 min
